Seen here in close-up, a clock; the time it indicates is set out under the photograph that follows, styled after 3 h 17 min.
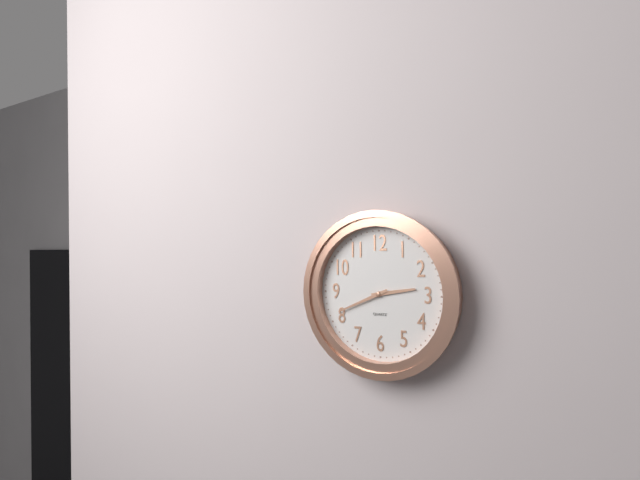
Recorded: 2 h 41 min
